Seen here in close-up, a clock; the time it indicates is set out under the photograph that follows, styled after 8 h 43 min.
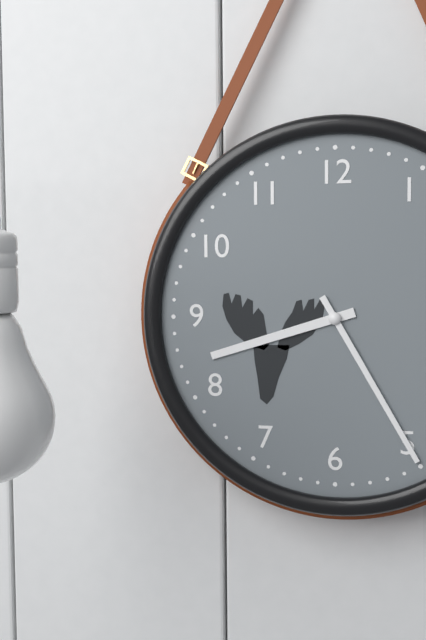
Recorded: 8 h 25 min
